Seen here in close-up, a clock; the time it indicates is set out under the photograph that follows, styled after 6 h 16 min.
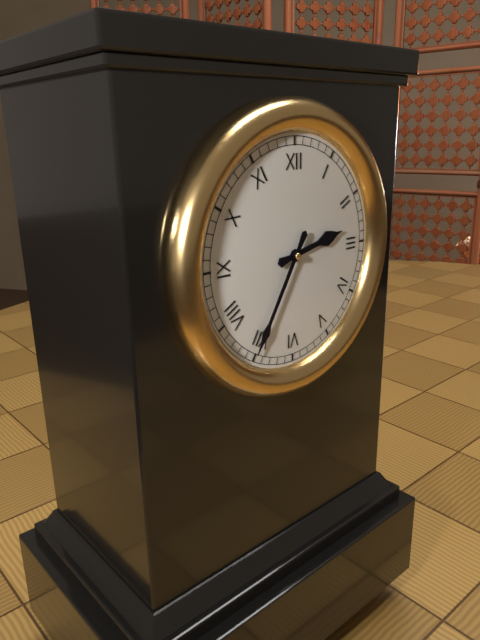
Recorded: 2 h 35 min
